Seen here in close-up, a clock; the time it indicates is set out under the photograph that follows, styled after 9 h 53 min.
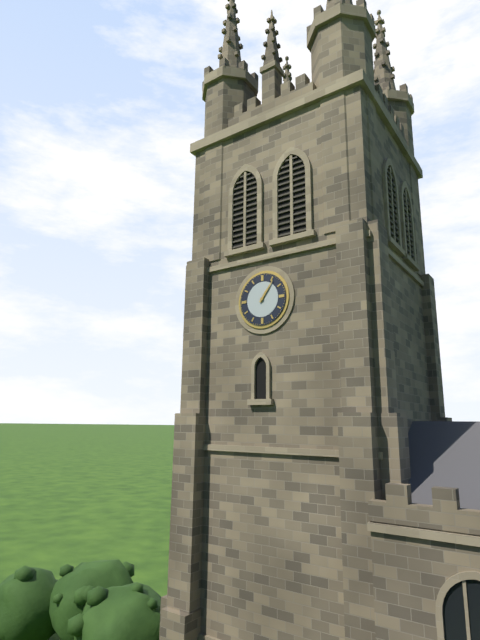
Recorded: 1 h 06 min
